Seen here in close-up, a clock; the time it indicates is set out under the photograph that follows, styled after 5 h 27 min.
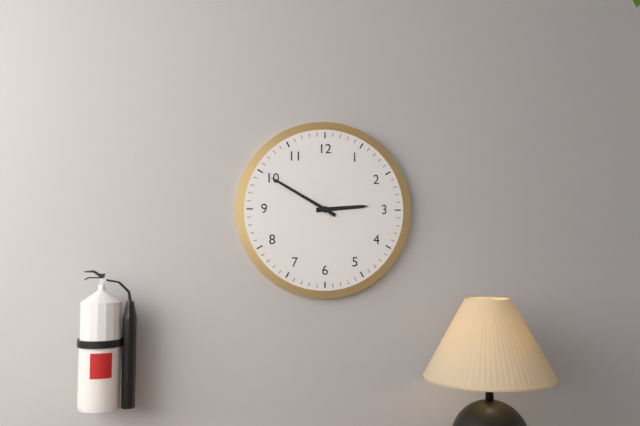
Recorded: 2 h 50 min
